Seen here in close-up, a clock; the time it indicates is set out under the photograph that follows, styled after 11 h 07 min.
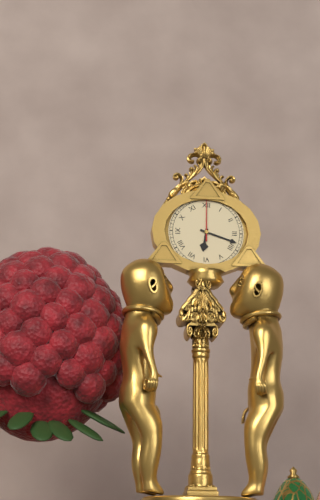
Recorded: 6 h 18 min
